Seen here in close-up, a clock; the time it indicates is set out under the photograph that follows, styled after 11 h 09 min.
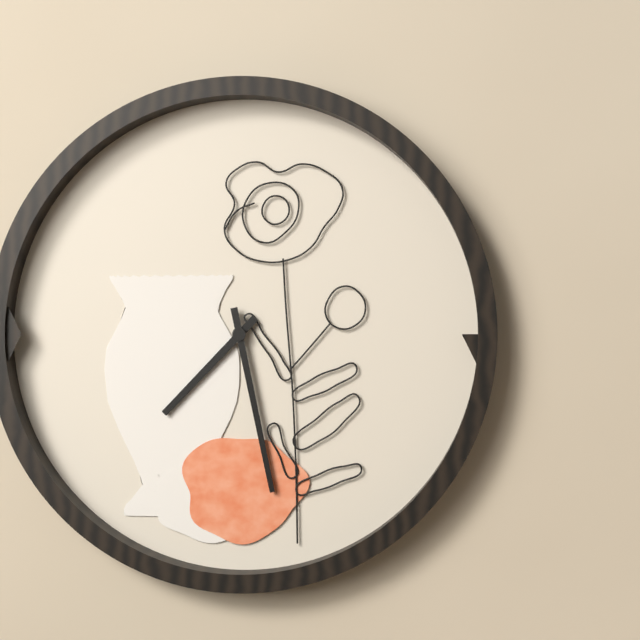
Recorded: 7 h 28 min
